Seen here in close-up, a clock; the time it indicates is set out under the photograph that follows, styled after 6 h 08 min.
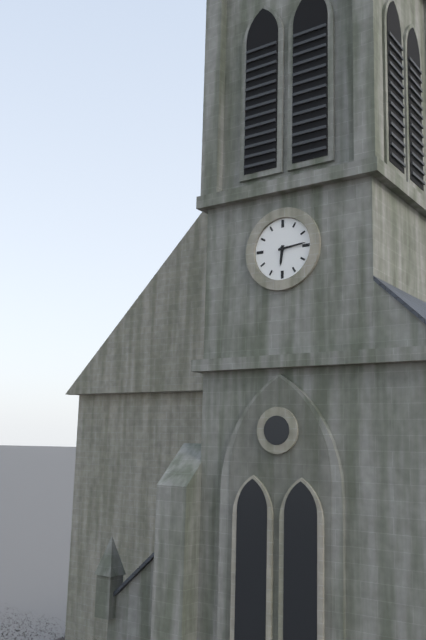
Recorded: 6 h 14 min
